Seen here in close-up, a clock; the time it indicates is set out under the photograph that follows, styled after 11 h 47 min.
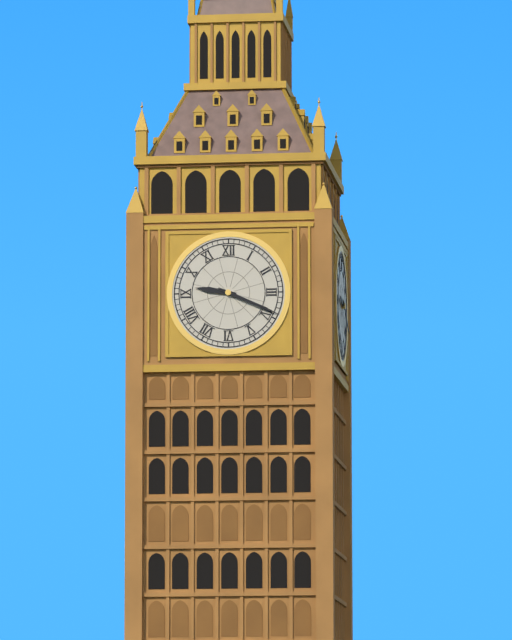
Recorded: 9 h 19 min
